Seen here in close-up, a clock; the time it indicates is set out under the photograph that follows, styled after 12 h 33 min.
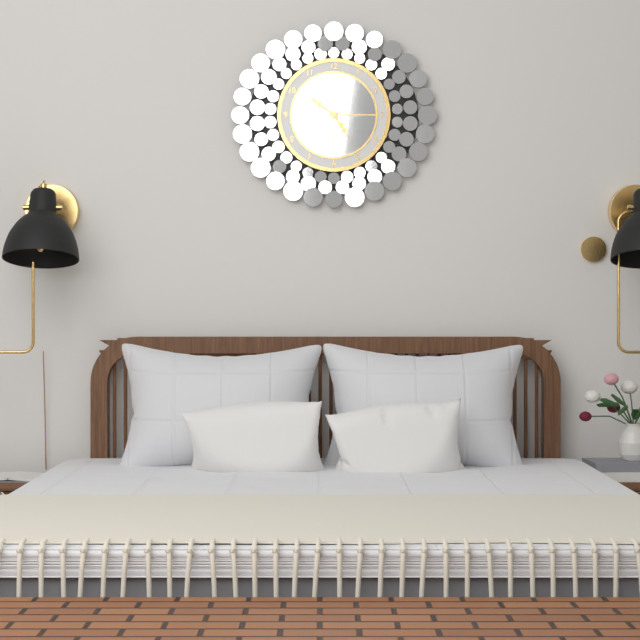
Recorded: 4 h 51 min
